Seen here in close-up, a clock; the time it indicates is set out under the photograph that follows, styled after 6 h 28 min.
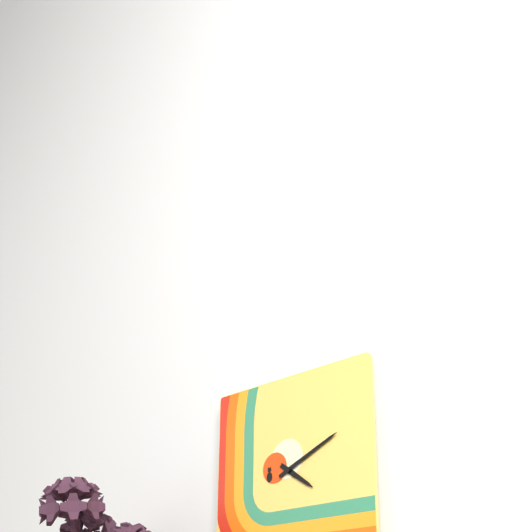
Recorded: 4 h 11 min
